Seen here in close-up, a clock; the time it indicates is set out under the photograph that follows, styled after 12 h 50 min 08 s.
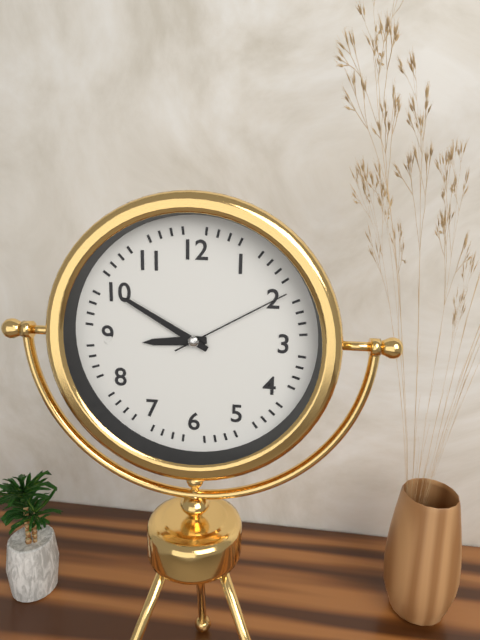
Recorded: 8 h 50 min 10 s
